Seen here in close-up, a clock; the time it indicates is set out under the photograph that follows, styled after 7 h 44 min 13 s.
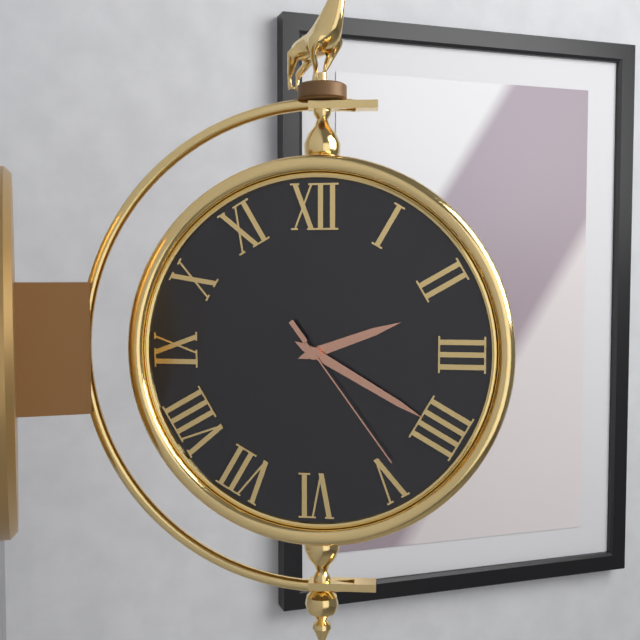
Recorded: 2 h 20 min 24 s
